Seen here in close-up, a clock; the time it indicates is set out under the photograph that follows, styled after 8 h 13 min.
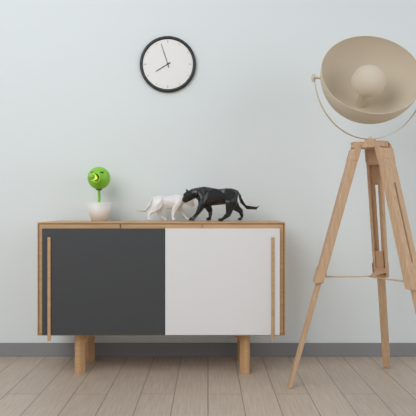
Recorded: 7 h 57 min
